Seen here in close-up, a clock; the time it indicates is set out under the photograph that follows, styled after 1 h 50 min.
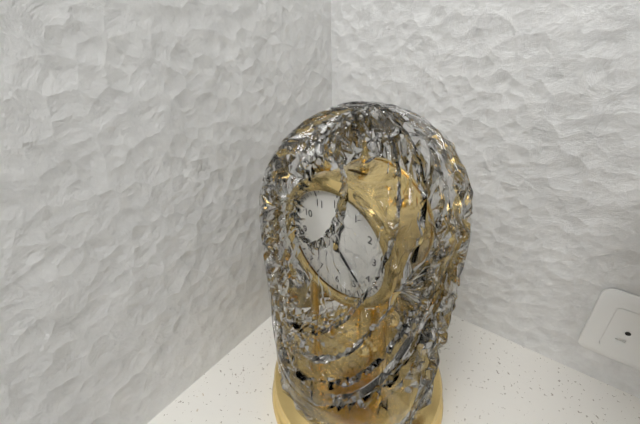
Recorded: 12 h 23 min
